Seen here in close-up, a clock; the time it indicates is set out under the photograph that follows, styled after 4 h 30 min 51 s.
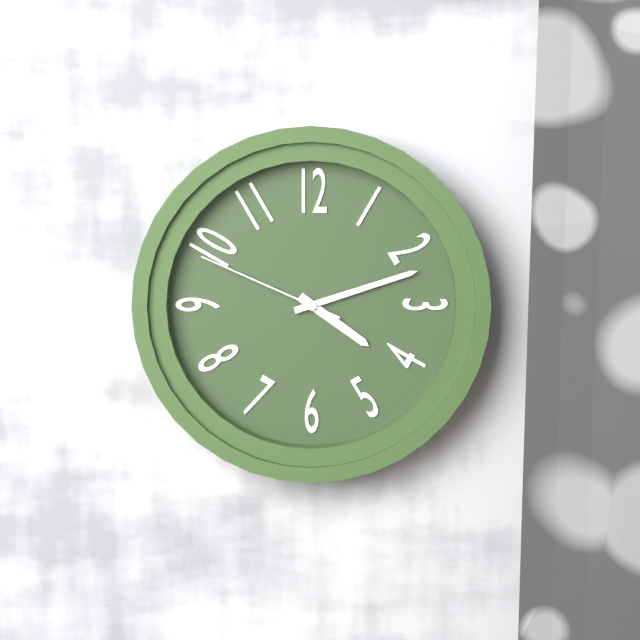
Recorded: 4 h 12 min 49 s
